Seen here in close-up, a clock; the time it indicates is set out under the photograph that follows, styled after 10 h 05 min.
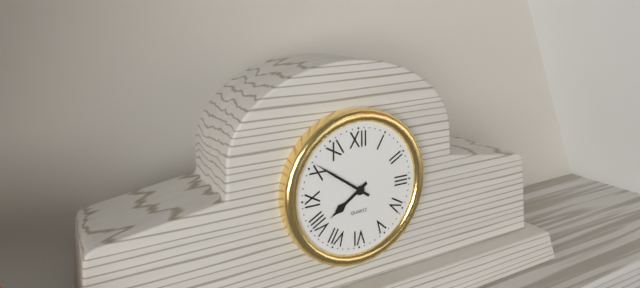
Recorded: 7 h 51 min
